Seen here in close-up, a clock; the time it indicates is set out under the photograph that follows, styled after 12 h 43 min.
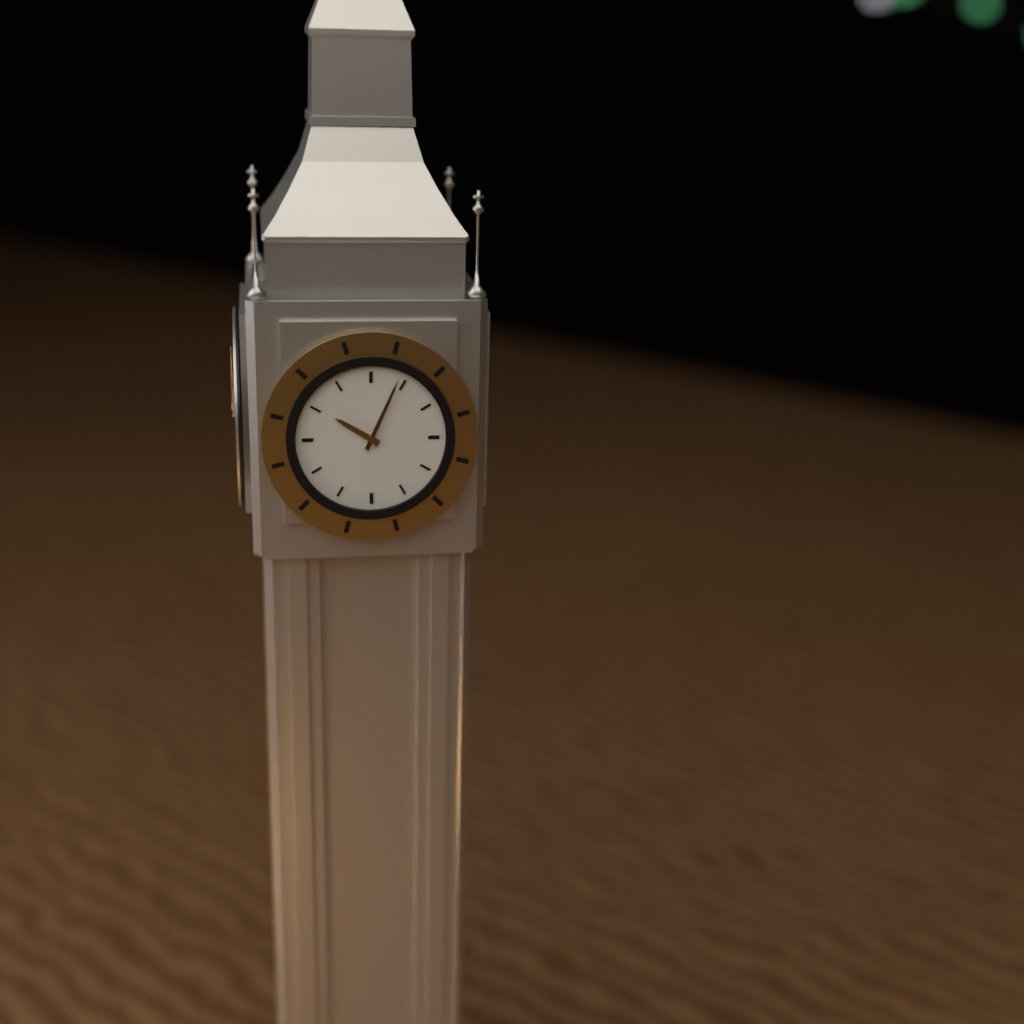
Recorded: 10 h 04 min
